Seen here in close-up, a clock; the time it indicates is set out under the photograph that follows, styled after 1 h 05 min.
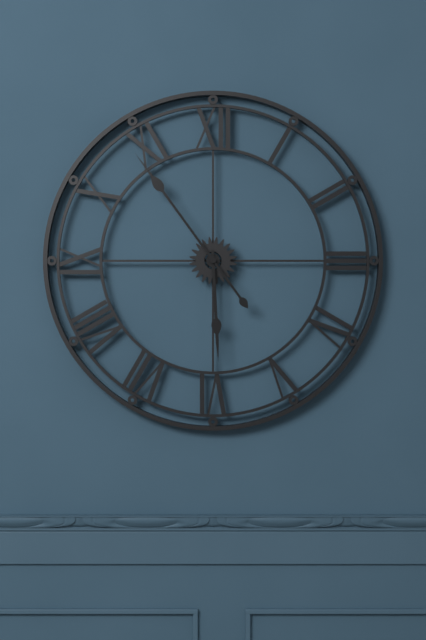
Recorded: 5 h 54 min
